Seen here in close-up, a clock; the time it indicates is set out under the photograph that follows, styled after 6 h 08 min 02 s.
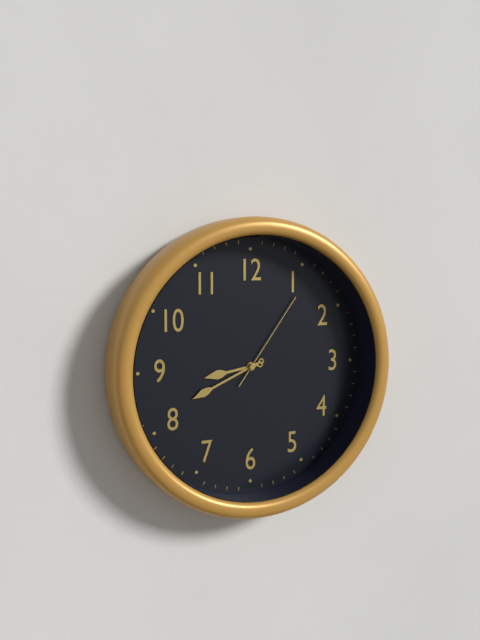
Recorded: 8 h 41 min 06 s
